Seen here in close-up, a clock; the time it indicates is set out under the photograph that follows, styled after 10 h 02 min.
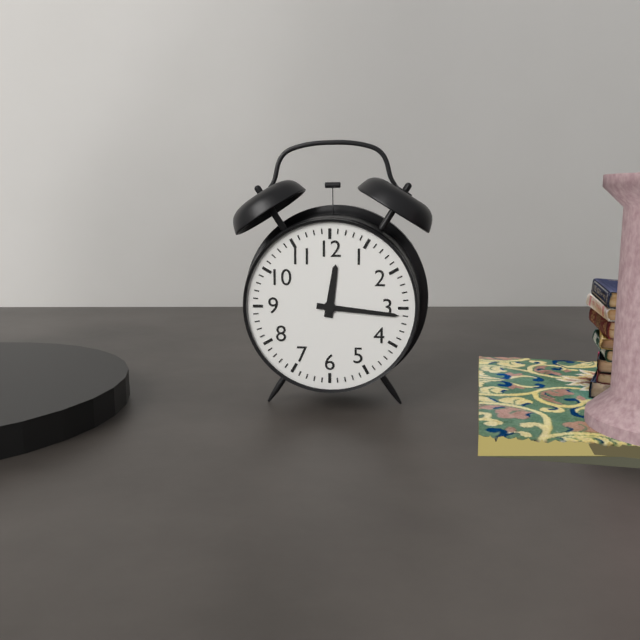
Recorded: 12 h 16 min
